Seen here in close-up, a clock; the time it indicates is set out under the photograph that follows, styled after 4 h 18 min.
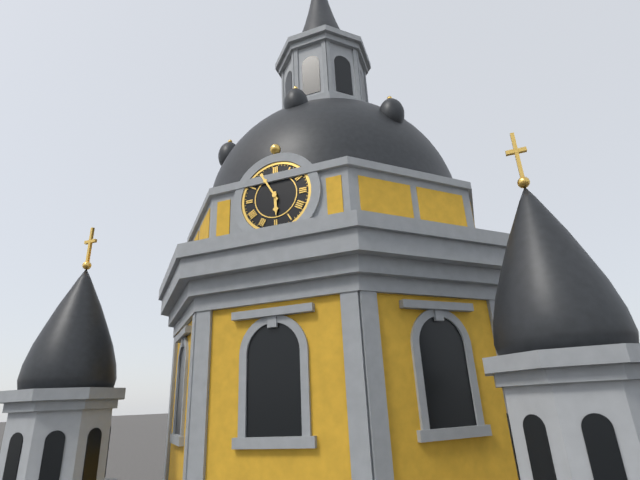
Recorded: 5 h 55 min
